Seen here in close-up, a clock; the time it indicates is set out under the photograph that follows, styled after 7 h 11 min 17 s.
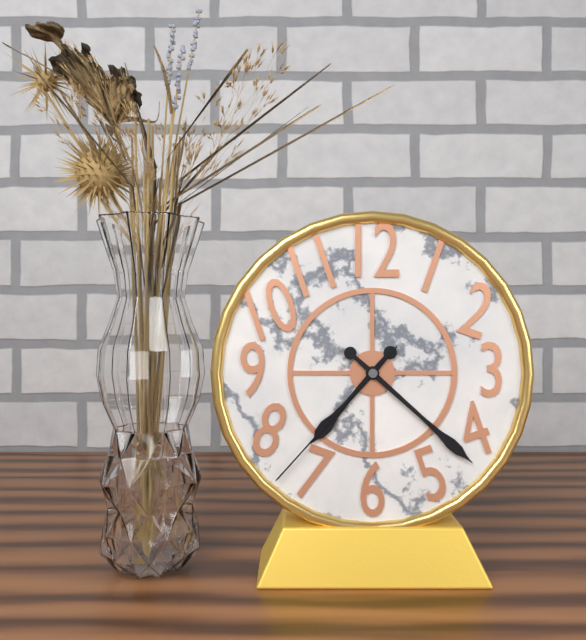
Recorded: 7 h 22 min 37 s
